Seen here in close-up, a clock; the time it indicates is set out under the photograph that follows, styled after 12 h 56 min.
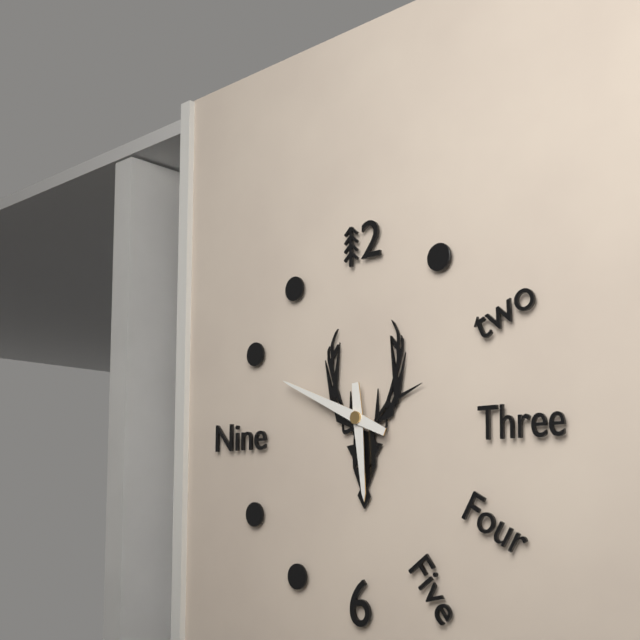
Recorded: 5 h 49 min
